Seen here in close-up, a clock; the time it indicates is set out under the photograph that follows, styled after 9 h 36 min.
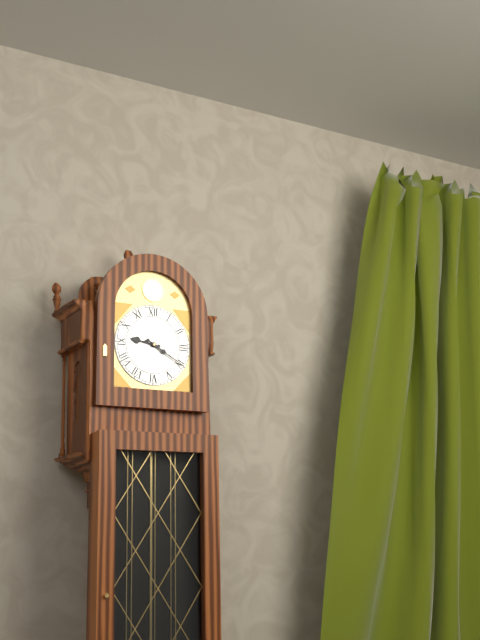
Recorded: 9 h 20 min
